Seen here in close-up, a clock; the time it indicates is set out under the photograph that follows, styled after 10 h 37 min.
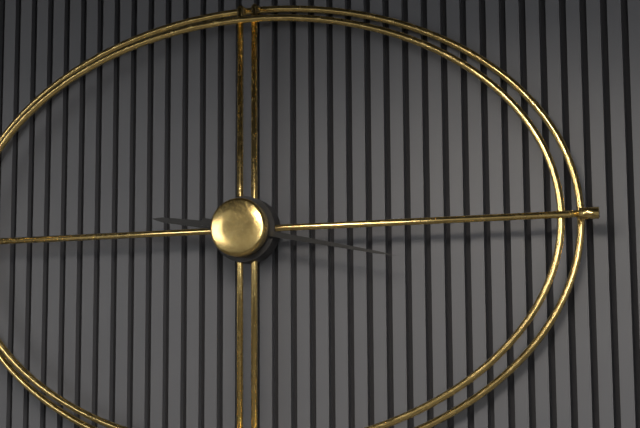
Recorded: 9 h 17 min
